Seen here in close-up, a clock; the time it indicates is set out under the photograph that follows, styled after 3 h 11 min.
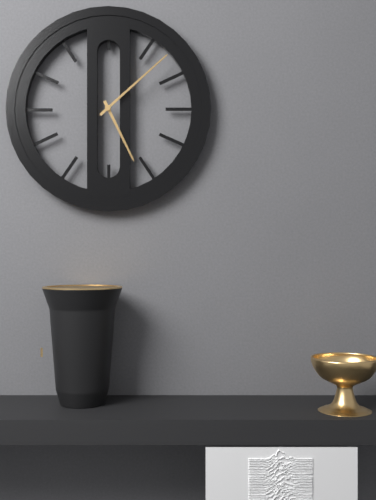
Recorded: 5 h 08 min
